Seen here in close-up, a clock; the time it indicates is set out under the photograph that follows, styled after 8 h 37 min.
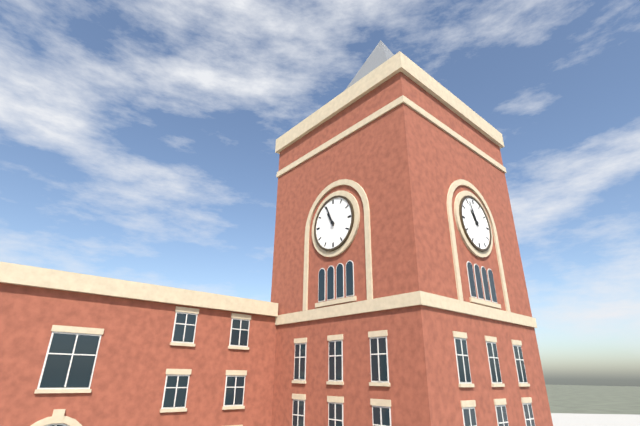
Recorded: 10 h 56 min
